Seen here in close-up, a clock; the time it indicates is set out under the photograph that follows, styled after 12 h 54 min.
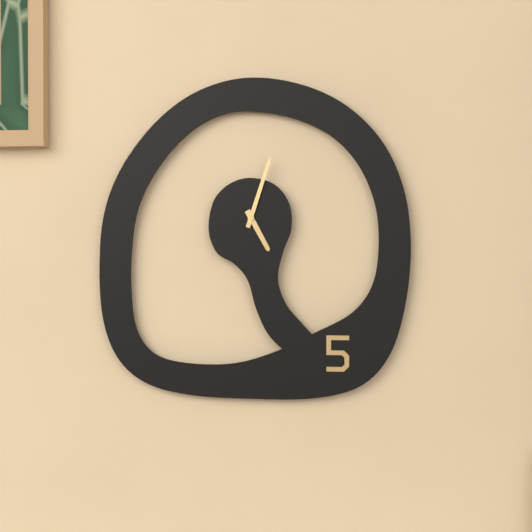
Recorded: 5 h 03 min
